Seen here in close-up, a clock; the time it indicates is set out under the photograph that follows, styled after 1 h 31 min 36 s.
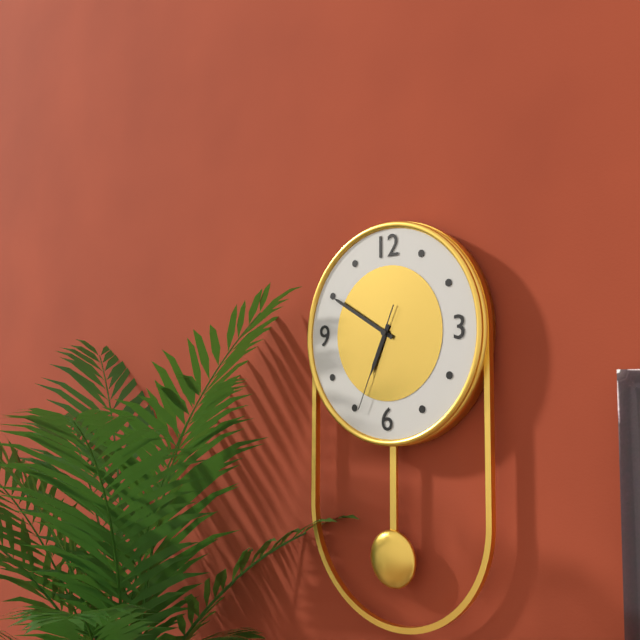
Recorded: 6 h 50 min 34 s
